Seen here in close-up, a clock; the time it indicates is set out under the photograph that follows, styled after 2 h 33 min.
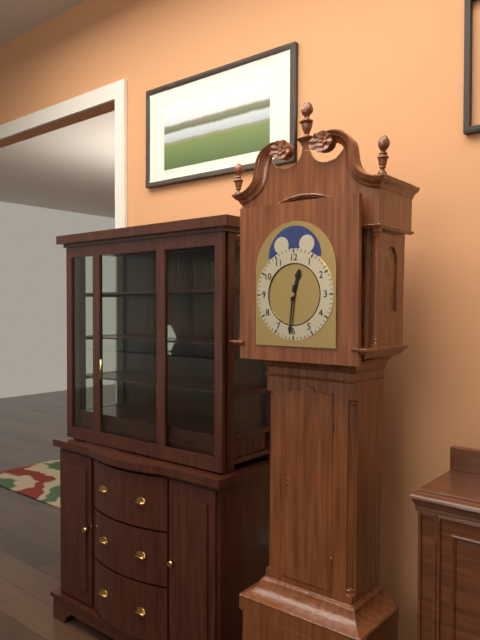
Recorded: 12 h 31 min
